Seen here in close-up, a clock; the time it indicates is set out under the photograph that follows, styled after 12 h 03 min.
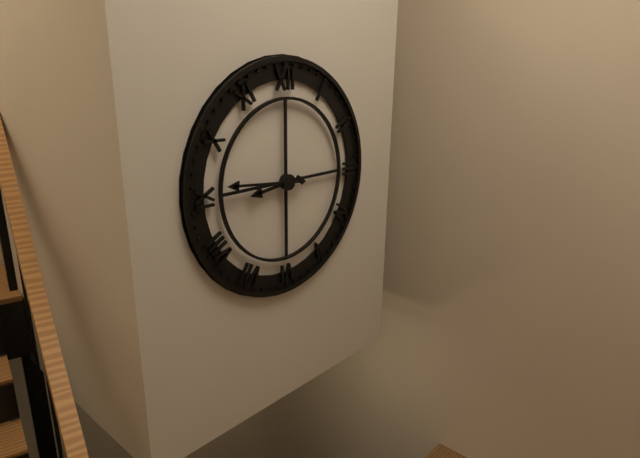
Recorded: 8 h 46 min
